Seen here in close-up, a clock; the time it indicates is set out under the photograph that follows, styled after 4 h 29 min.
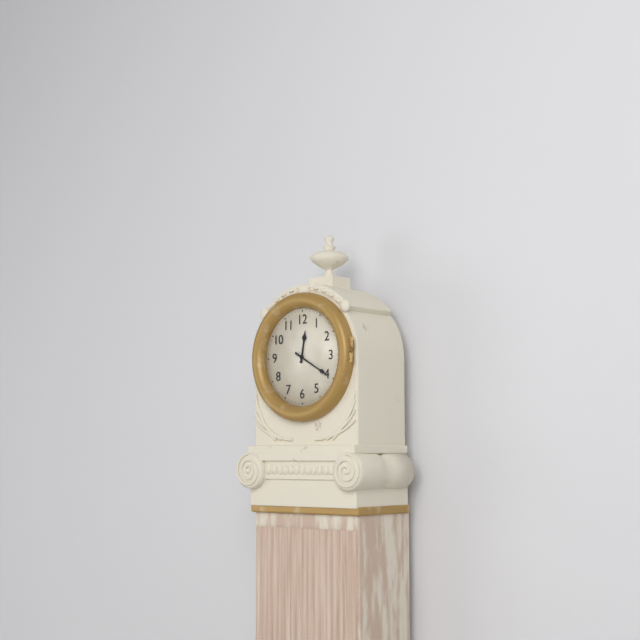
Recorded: 12 h 20 min
